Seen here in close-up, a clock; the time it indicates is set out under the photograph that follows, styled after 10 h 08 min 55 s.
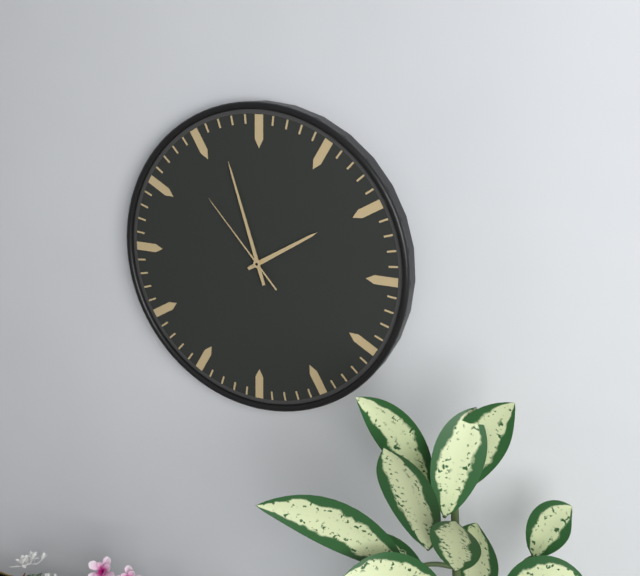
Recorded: 1 h 57 min 53 s
